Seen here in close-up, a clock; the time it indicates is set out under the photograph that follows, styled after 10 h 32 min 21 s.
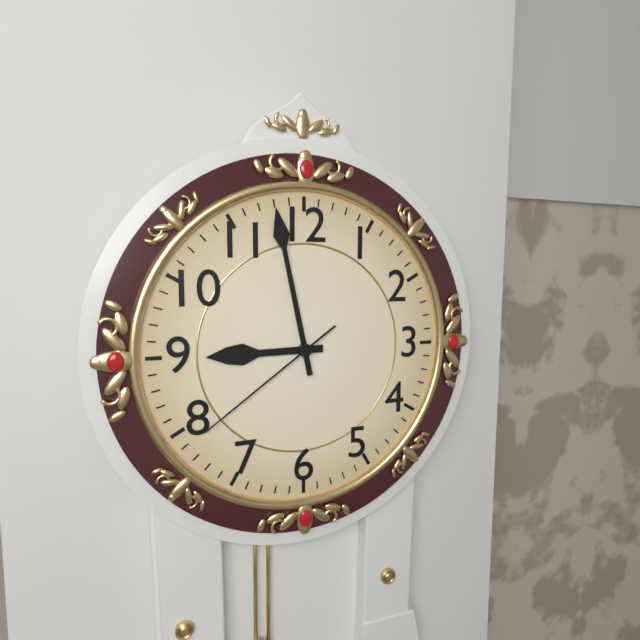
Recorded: 8 h 58 min 39 s
